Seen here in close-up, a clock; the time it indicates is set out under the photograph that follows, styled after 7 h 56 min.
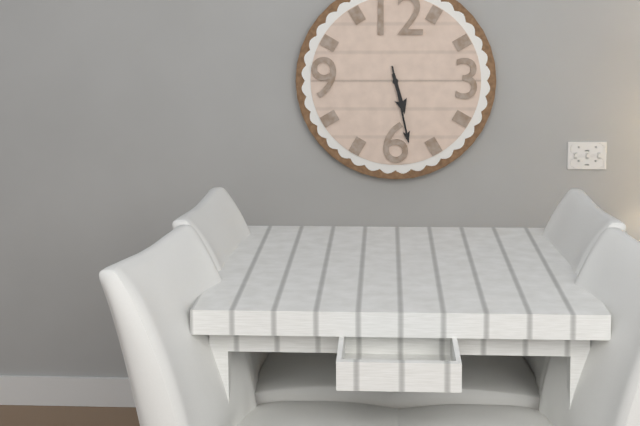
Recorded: 5 h 28 min
